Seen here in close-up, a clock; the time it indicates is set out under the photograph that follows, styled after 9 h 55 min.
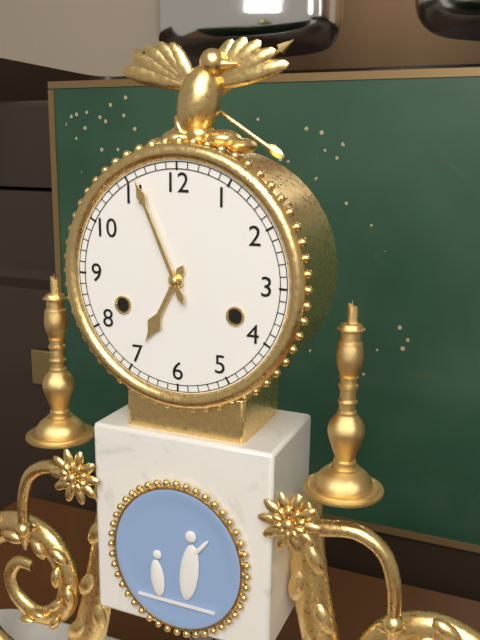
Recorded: 6 h 56 min
